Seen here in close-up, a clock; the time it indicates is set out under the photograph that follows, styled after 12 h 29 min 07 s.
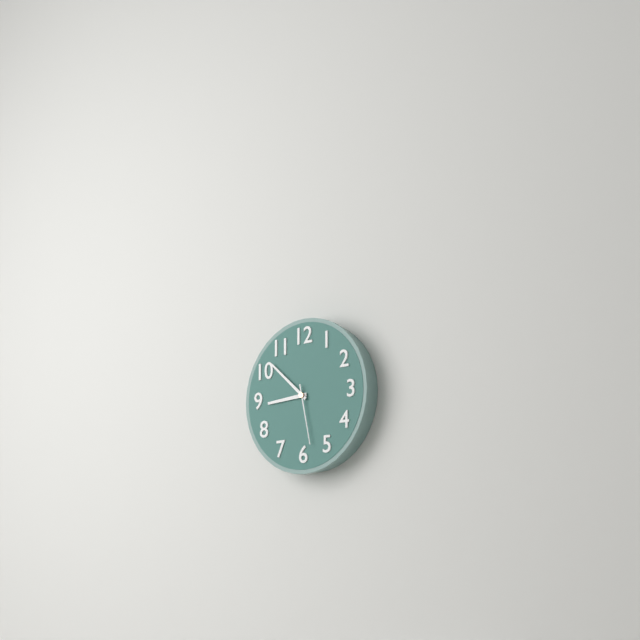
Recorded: 8 h 52 min 28 s
